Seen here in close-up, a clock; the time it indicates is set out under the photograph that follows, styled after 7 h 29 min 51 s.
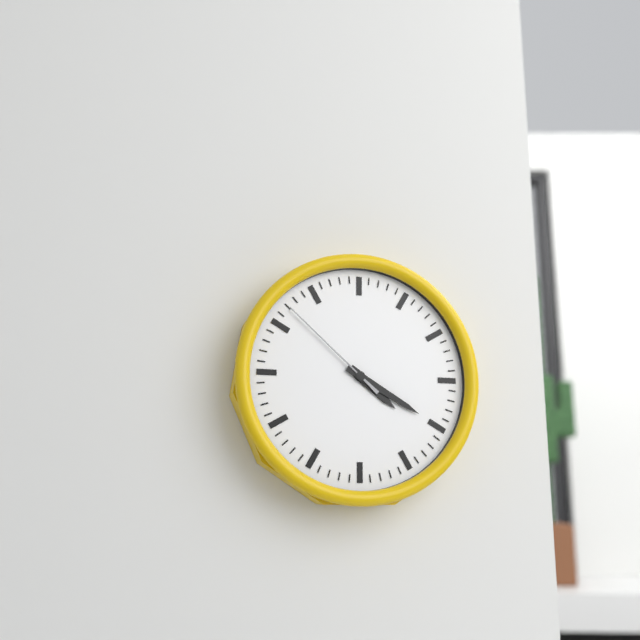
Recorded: 4 h 20 min 52 s
